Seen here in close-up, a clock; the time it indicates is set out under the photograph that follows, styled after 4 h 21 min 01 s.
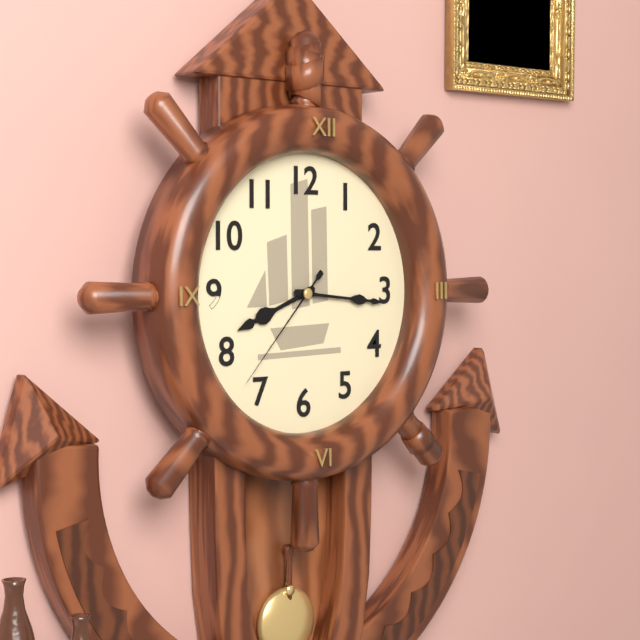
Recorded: 8 h 16 min 37 s
